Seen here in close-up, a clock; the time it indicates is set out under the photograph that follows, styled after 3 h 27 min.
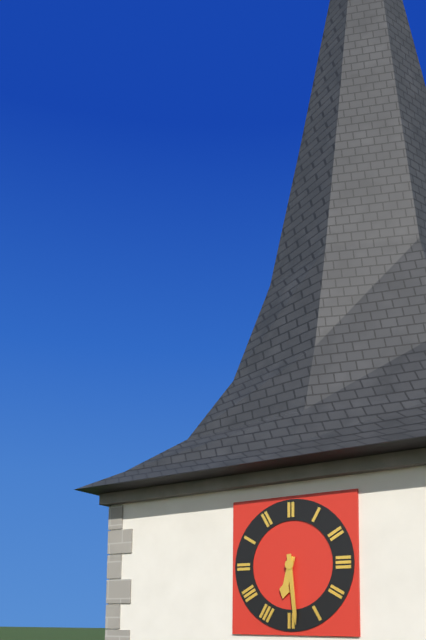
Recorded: 6 h 29 min
